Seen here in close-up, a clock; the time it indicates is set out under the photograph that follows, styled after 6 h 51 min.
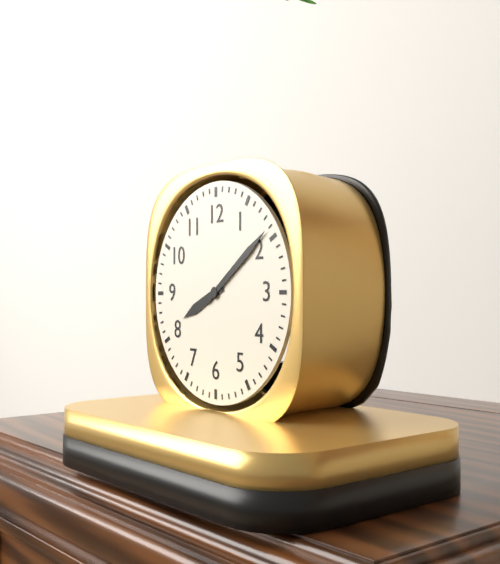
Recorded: 8 h 09 min
